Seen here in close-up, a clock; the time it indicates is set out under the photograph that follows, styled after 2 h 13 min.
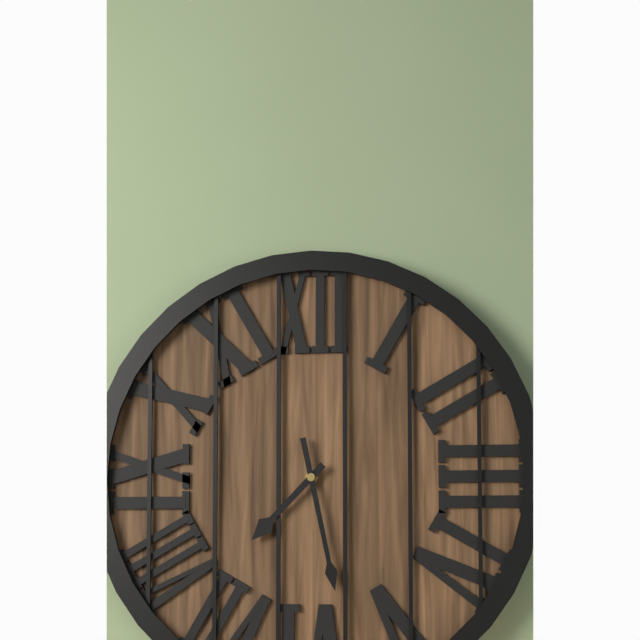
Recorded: 7 h 28 min
